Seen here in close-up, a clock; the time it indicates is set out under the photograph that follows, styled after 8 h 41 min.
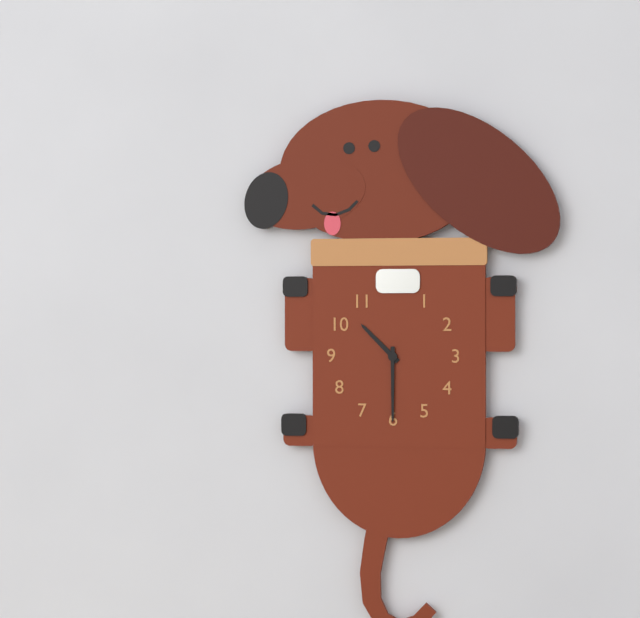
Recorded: 10 h 30 min
